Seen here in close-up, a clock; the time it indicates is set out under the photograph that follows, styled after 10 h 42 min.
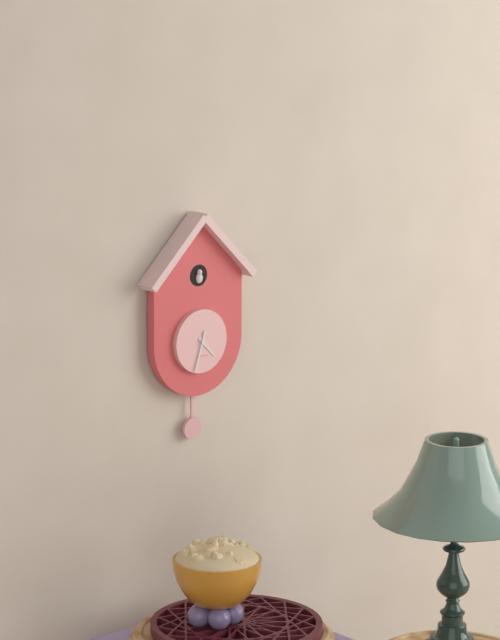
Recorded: 4 h 33 min
